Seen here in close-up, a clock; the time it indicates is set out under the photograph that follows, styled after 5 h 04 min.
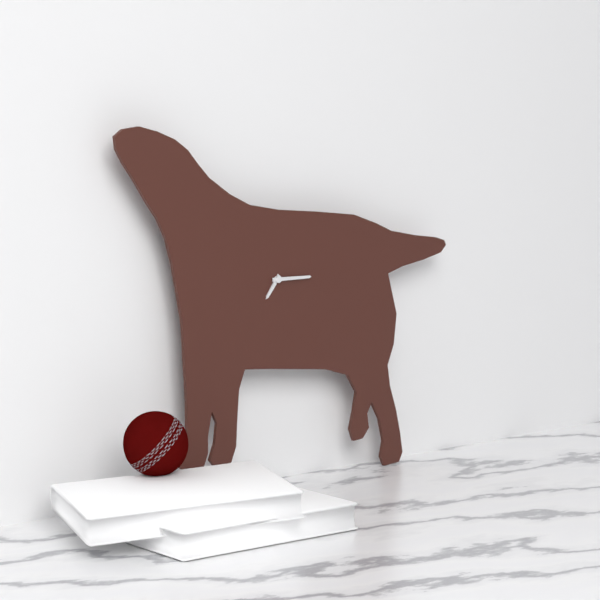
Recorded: 7 h 15 min
